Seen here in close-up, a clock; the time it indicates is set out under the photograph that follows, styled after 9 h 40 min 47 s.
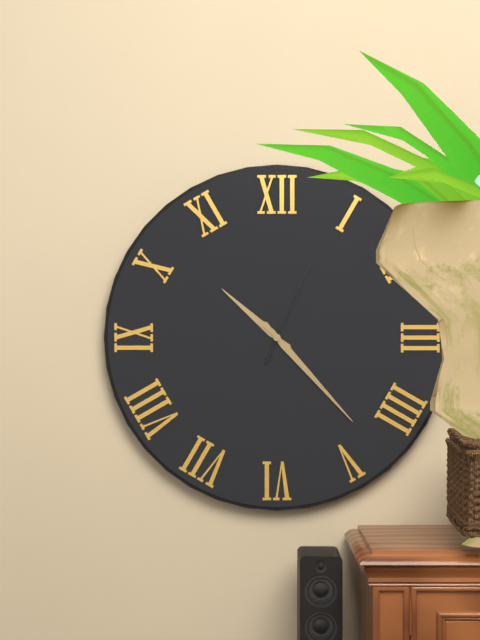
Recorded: 10 h 23 min 04 s
